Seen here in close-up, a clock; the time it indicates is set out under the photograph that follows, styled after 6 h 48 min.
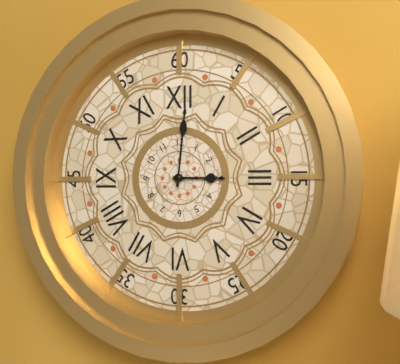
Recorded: 3 h 01 min
